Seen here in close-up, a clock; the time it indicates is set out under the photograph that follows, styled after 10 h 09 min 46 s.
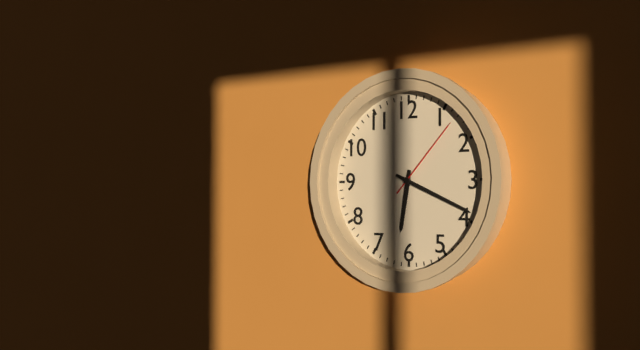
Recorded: 6 h 19 min 07 s
